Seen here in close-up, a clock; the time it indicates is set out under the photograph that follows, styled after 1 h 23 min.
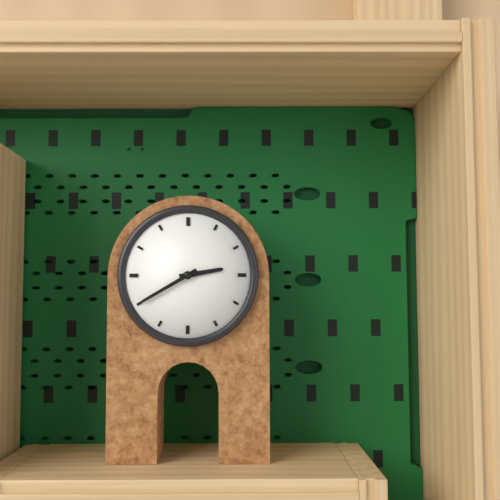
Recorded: 2 h 40 min
